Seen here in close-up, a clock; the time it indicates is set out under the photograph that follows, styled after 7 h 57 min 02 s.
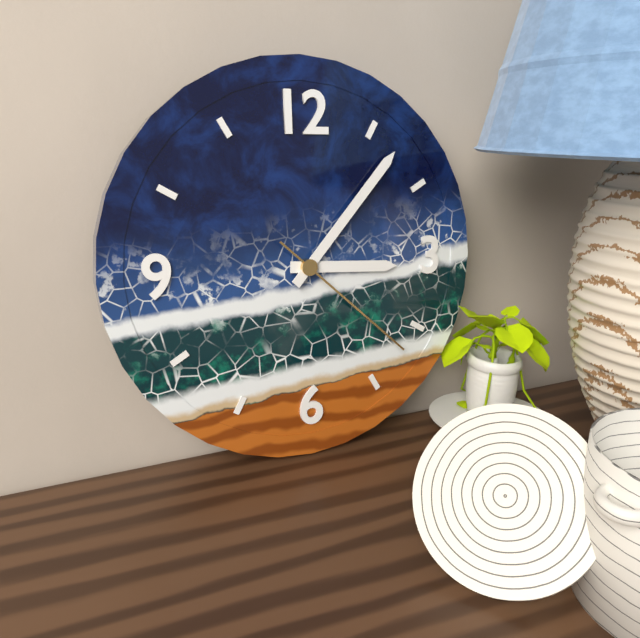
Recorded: 3 h 07 min 22 s
